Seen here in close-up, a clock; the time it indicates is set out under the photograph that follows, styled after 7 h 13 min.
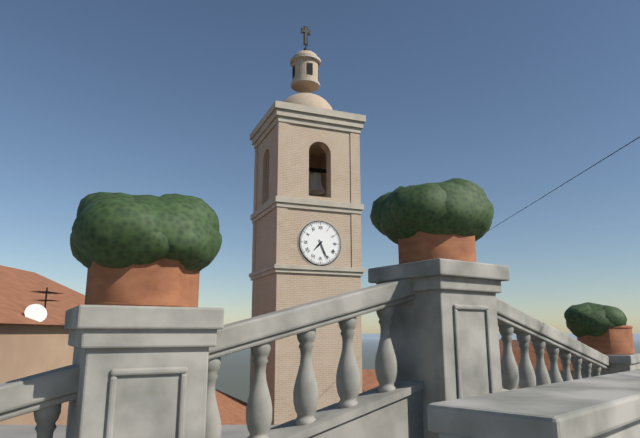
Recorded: 7 h 26 min
